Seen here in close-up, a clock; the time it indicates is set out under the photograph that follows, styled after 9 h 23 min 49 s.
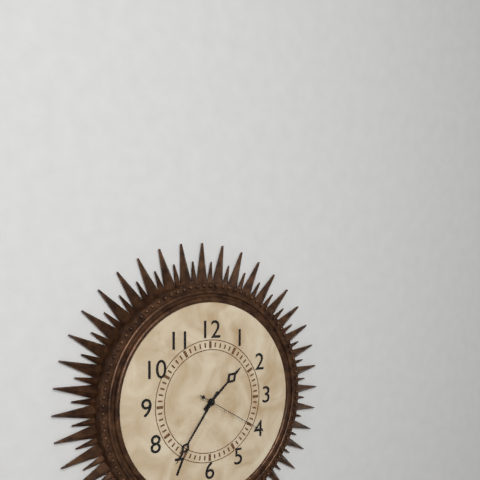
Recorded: 1 h 36 min 20 s
